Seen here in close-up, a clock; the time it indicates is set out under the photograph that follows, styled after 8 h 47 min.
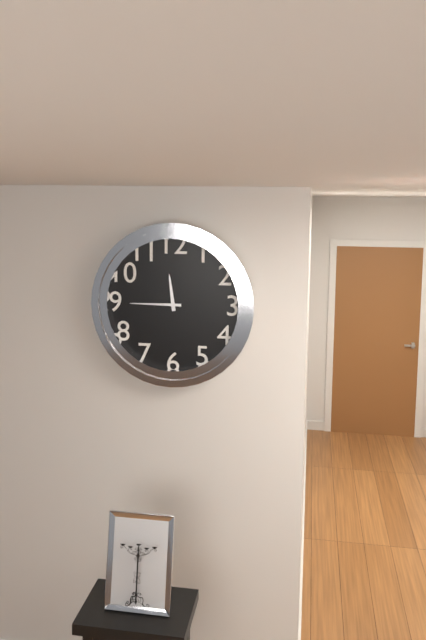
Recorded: 11 h 45 min
